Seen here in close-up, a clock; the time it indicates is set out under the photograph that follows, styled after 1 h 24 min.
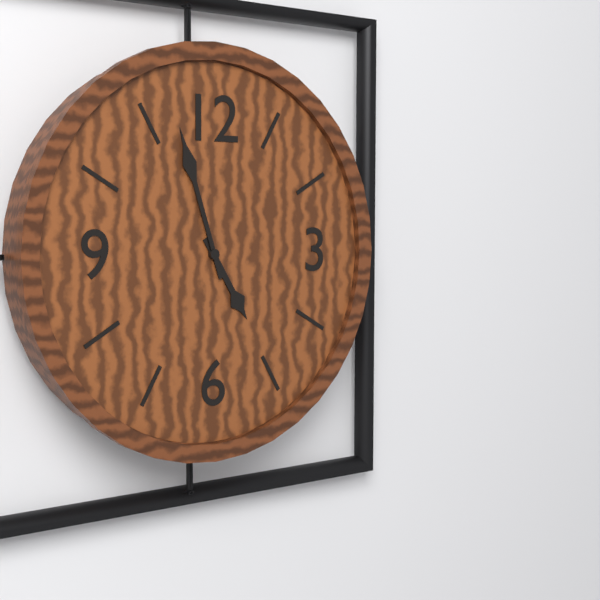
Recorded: 4 h 57 min
